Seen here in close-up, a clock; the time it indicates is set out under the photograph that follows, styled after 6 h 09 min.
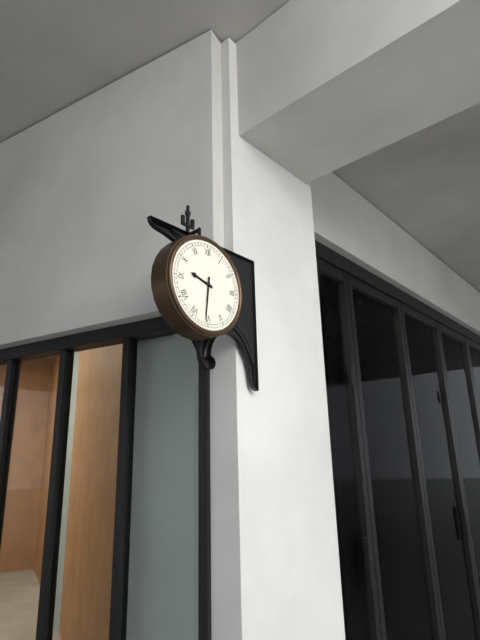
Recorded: 9 h 31 min
